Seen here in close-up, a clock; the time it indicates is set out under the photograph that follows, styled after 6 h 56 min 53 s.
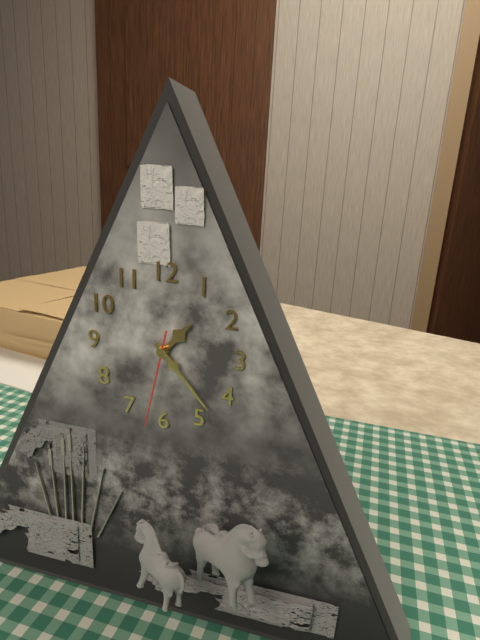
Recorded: 1 h 23 min 32 s
